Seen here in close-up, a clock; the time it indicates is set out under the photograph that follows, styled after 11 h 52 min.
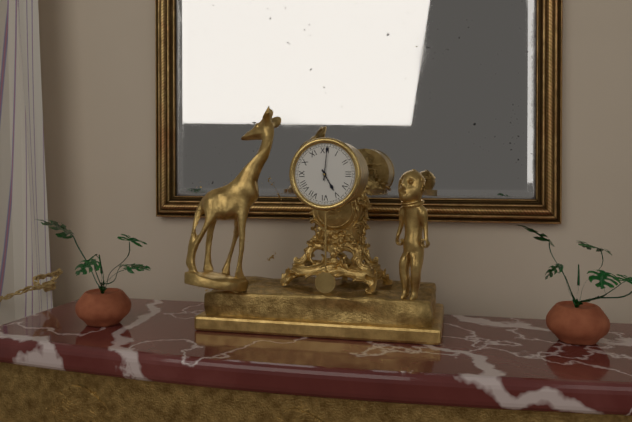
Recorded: 5 h 01 min
